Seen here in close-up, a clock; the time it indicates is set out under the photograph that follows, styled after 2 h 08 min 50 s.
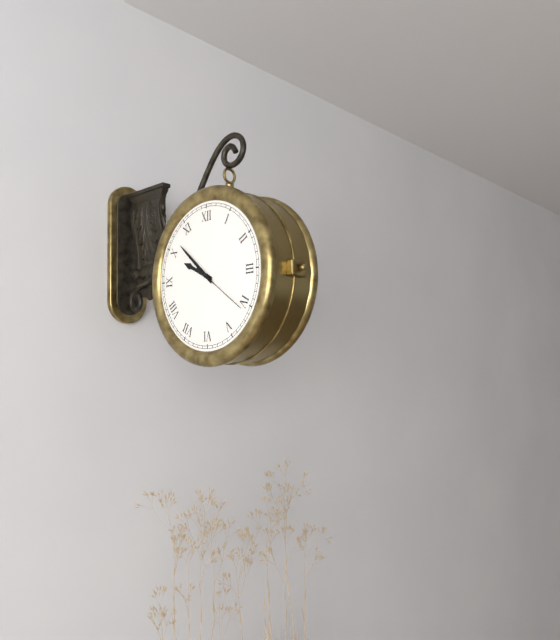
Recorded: 9 h 52 min 21 s
